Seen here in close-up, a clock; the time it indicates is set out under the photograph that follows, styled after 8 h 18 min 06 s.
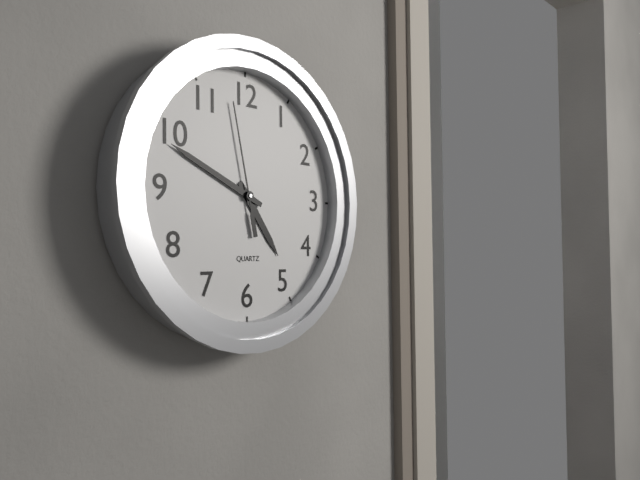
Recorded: 4 h 49 min 58 s
